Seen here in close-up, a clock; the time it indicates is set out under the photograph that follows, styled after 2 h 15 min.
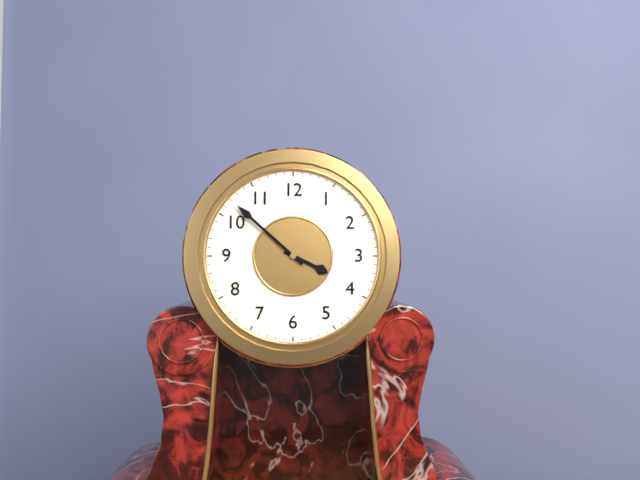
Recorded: 3 h 52 min
